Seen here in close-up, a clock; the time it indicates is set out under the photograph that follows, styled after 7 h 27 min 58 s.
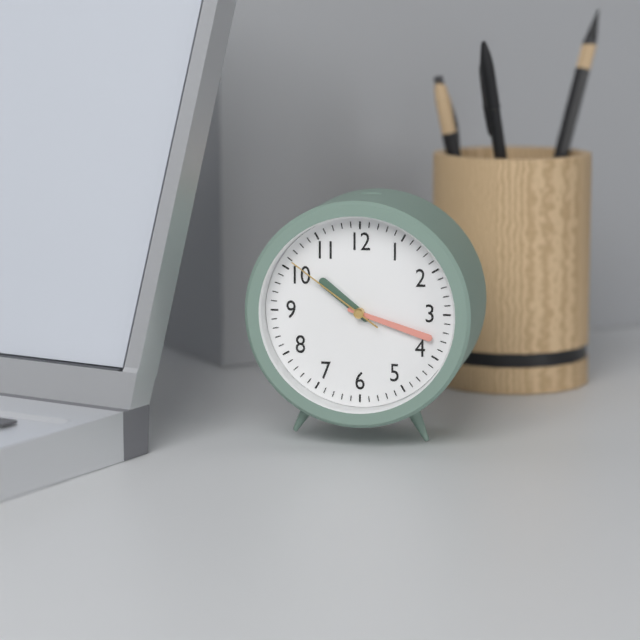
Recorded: 10 h 18 min 51 s
